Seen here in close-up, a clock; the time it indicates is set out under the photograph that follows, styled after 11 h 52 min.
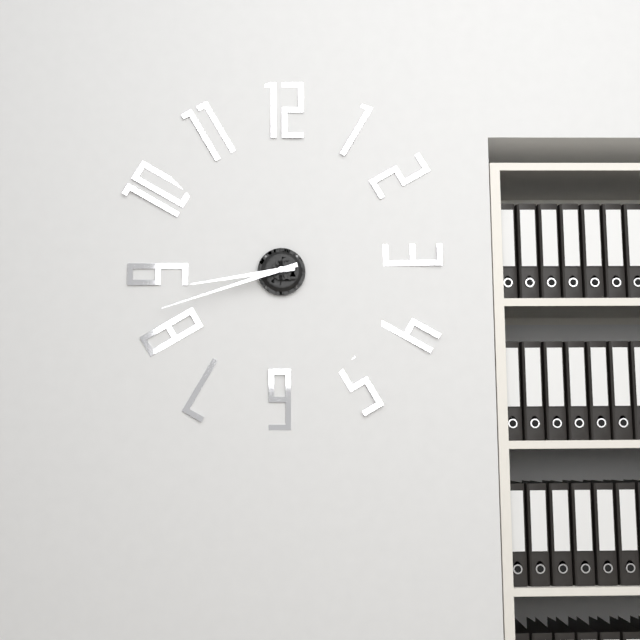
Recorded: 8 h 42 min
